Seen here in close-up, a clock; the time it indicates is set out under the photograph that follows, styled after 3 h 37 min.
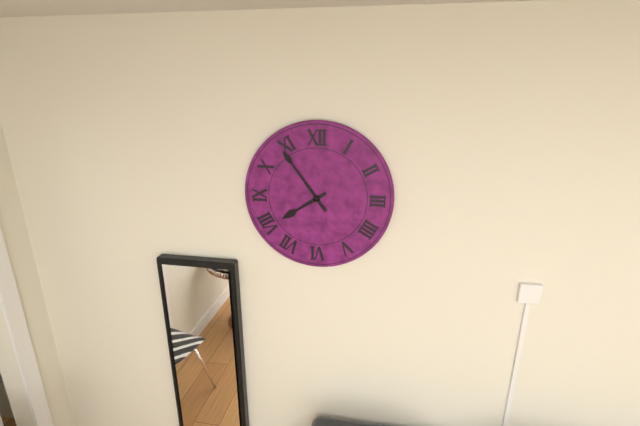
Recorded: 7 h 54 min
